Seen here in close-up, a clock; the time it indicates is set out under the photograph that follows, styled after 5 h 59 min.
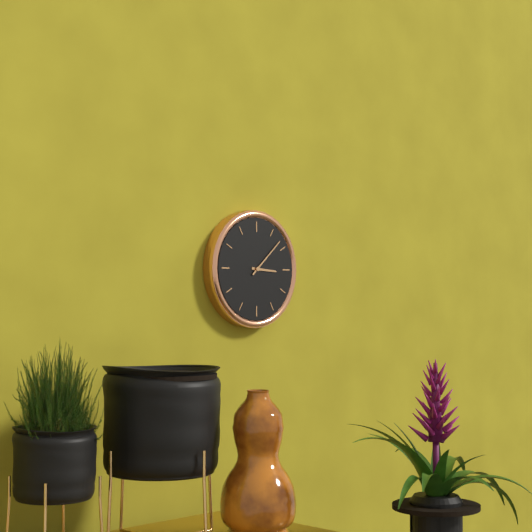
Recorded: 3 h 08 min
